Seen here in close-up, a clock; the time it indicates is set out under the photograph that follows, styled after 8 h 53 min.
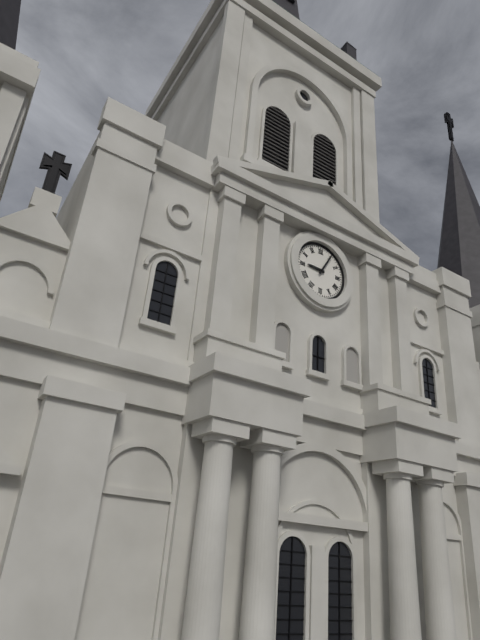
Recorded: 9 h 05 min
